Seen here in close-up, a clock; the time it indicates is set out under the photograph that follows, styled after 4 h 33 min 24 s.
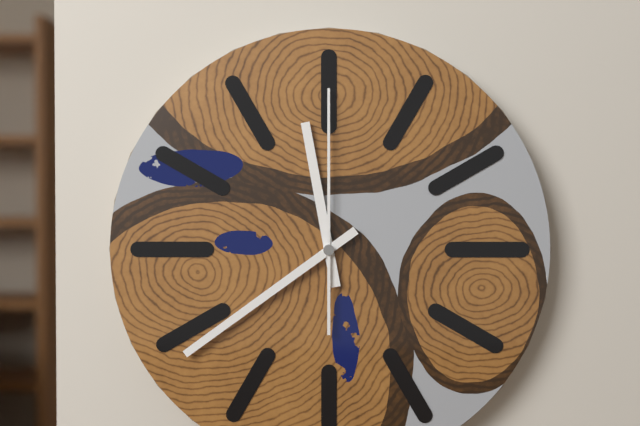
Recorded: 11 h 39 min 00 s
